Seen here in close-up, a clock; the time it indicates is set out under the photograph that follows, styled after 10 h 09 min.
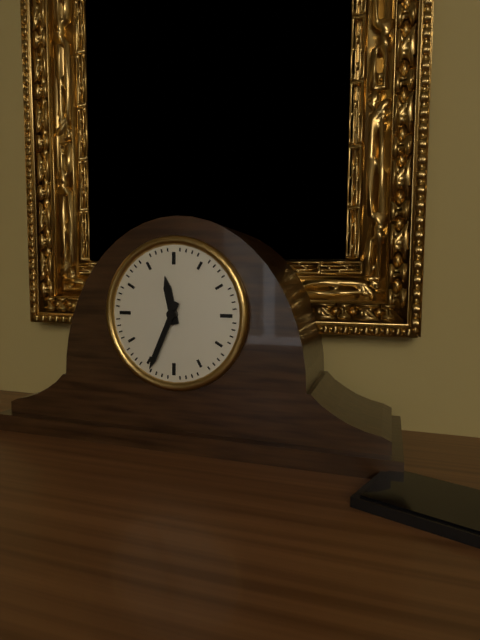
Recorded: 11 h 34 min
